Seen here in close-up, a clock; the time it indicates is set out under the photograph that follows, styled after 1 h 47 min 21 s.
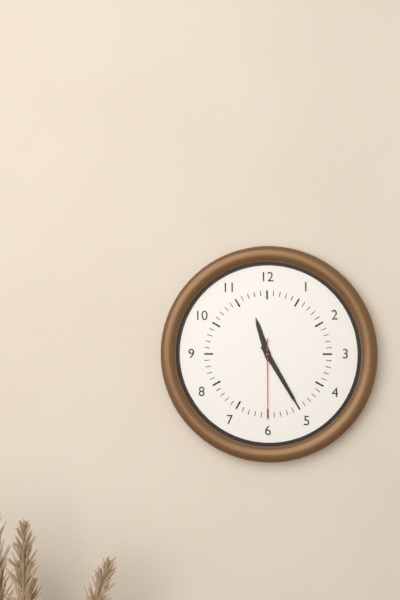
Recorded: 11 h 25 min 30 s
